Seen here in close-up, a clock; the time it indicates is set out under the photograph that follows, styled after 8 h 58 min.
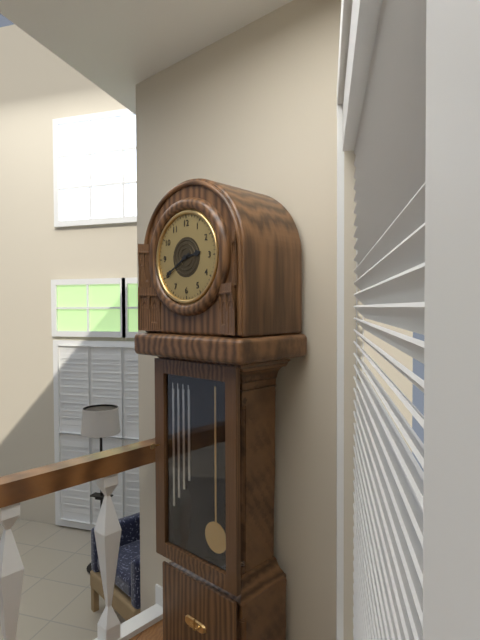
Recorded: 2 h 40 min
